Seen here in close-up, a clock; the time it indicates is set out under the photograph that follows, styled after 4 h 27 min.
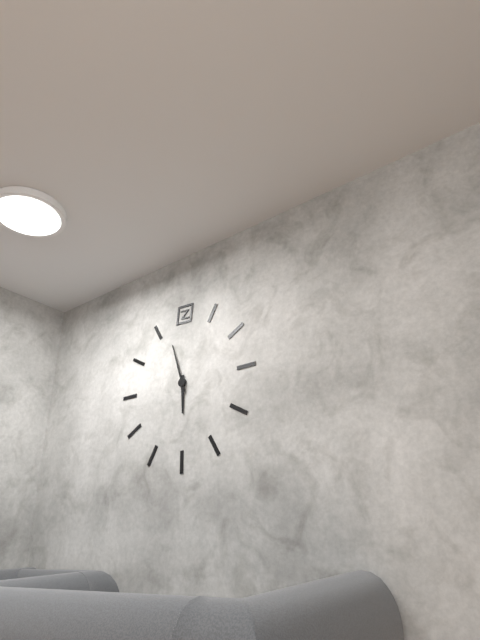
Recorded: 5 h 57 min
